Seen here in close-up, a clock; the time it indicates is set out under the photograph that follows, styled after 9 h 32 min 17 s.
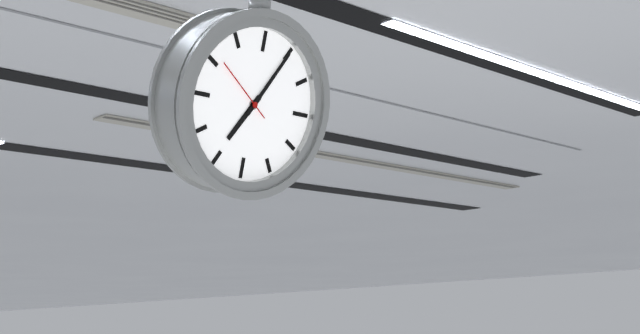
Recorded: 7 h 05 min 51 s
